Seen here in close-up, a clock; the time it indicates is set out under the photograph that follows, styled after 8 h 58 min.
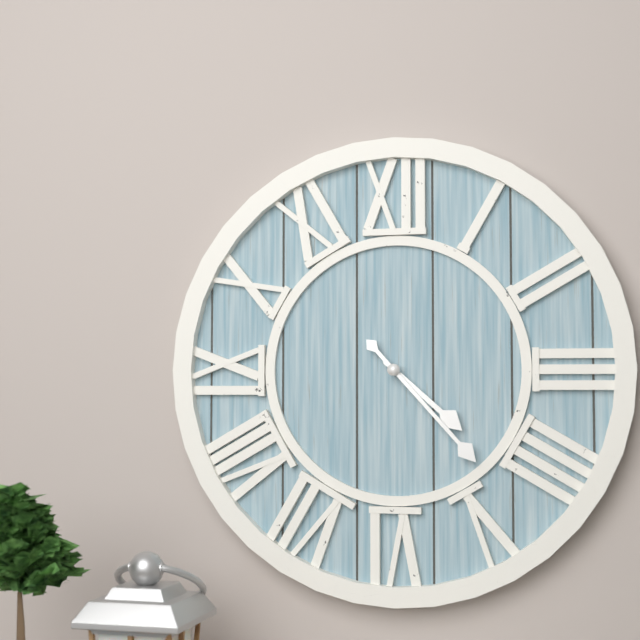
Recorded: 4 h 23 min
